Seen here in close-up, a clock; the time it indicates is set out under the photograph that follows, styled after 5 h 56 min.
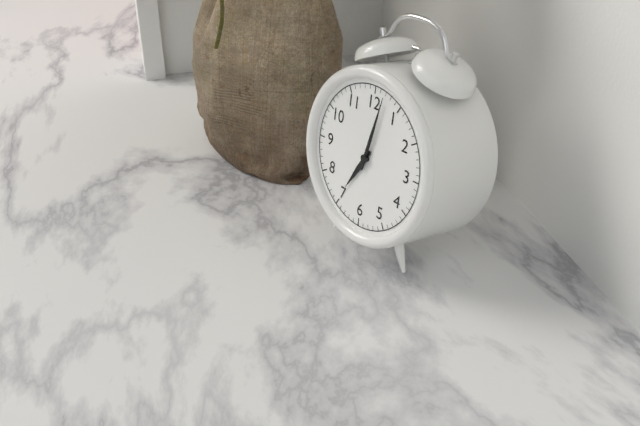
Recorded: 7 h 02 min
